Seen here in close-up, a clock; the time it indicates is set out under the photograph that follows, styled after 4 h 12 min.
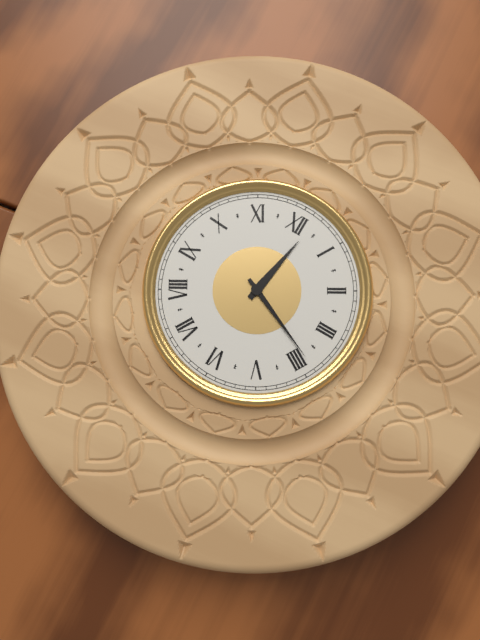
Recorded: 12 h 19 min
